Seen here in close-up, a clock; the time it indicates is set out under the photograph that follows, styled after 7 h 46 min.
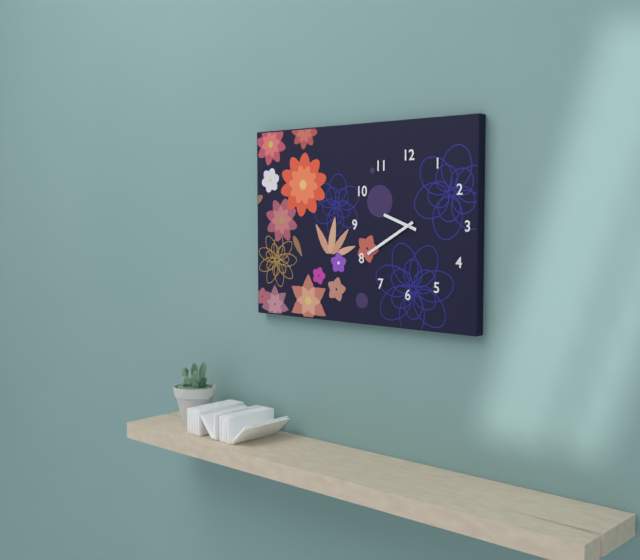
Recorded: 9 h 40 min
